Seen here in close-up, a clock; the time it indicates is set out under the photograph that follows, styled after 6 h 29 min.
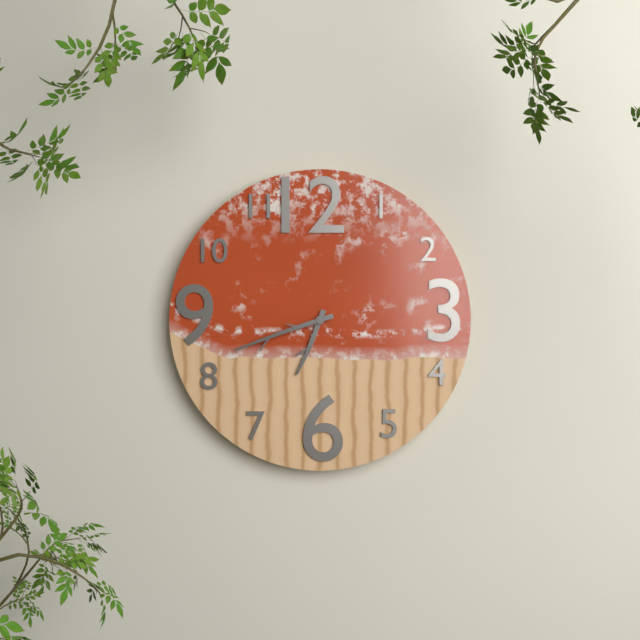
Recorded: 6 h 42 min
